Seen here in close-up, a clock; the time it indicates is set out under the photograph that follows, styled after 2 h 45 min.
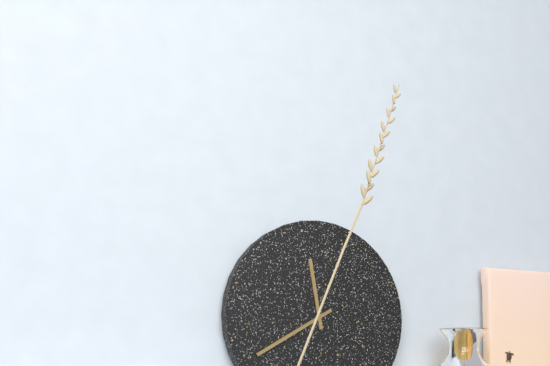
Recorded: 11 h 40 min
